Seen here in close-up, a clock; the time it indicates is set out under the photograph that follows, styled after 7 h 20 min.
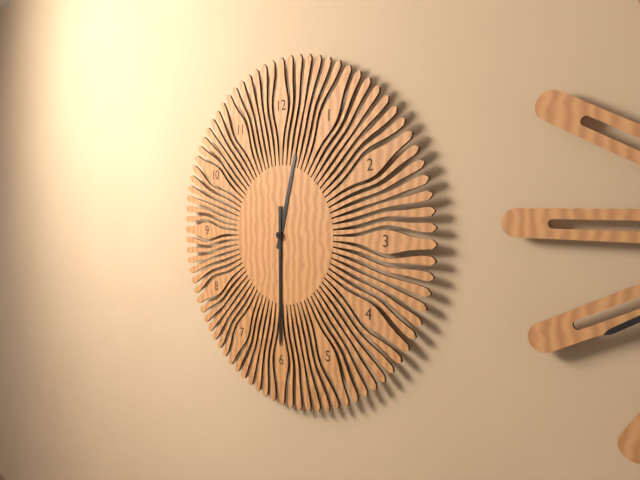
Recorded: 12 h 30 min
